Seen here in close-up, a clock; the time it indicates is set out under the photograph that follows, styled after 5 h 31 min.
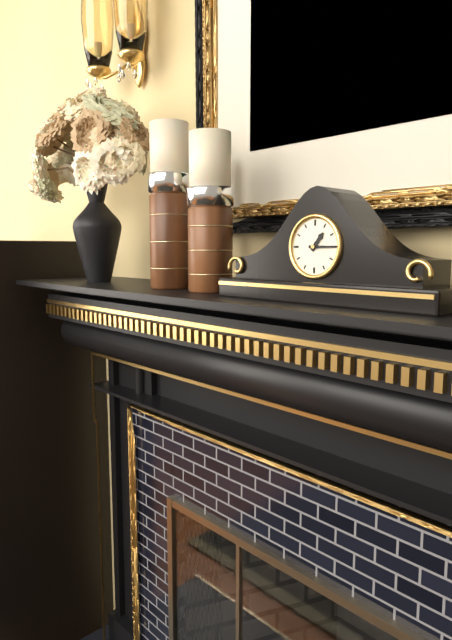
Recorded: 1 h 15 min
